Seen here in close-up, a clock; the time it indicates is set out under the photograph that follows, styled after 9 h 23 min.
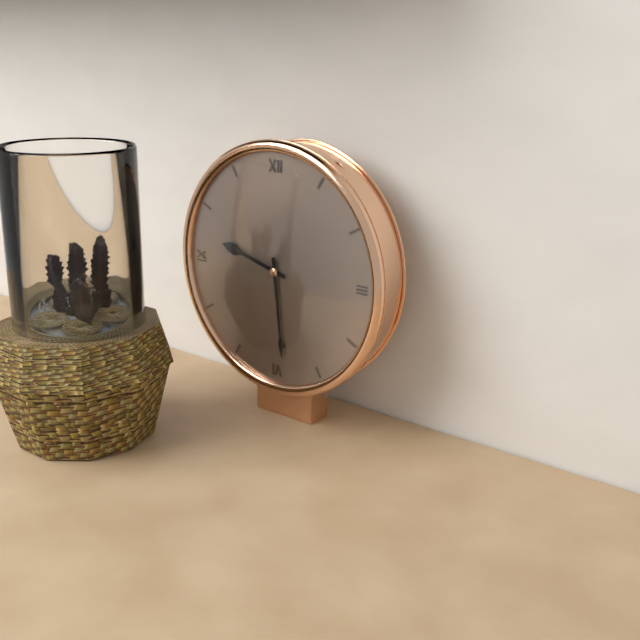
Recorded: 9 h 29 min
